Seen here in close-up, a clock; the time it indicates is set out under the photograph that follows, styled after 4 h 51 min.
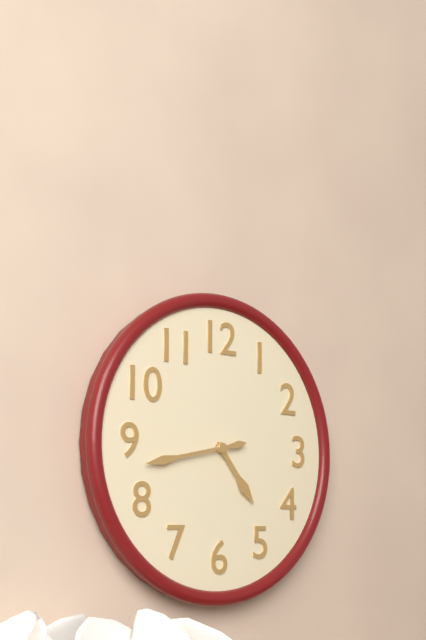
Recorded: 4 h 43 min
